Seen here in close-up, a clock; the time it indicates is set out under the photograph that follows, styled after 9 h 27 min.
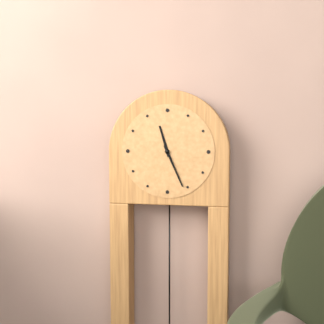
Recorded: 11 h 26 min
